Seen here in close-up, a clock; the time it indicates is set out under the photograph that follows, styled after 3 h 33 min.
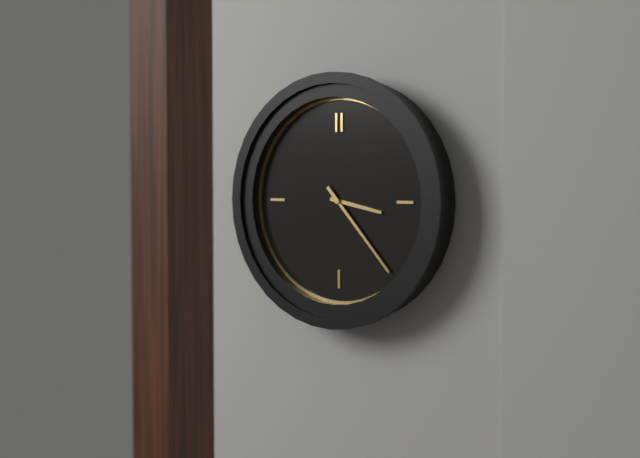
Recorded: 3 h 23 min
